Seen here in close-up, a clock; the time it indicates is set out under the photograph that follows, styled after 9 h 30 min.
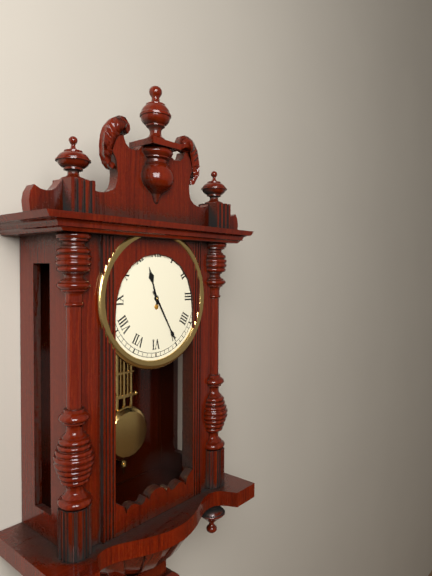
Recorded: 11 h 25 min
